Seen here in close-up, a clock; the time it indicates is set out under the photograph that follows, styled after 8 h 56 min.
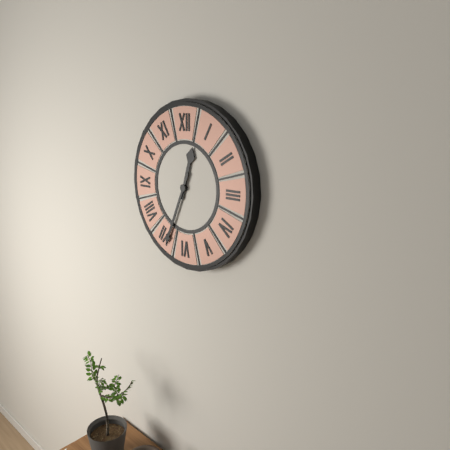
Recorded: 12 h 34 min
